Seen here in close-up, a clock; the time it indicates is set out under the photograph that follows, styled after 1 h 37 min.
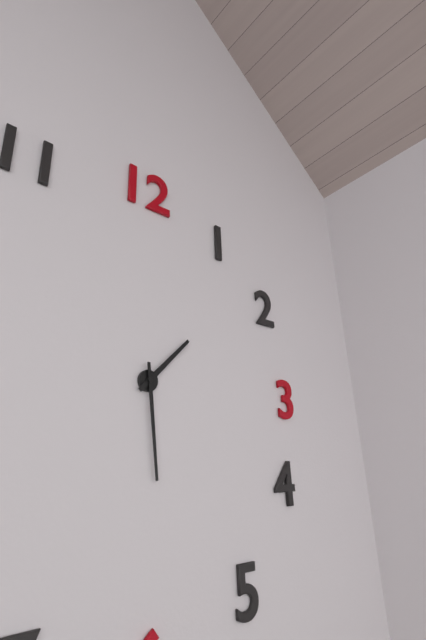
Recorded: 1 h 29 min
